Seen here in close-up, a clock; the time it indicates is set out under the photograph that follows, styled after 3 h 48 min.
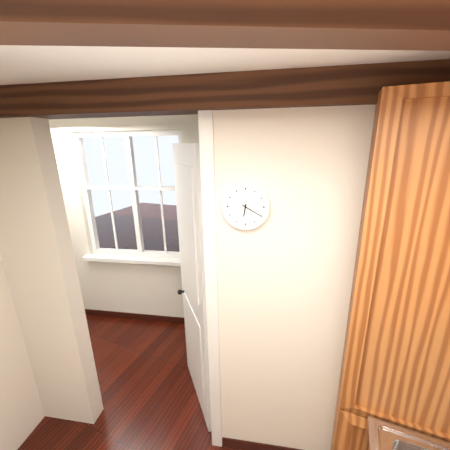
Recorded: 6 h 20 min
